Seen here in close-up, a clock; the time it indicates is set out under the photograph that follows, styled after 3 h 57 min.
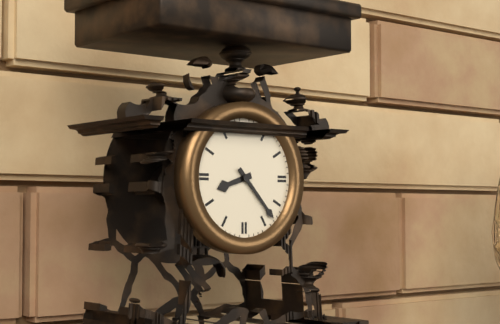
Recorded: 8 h 23 min
